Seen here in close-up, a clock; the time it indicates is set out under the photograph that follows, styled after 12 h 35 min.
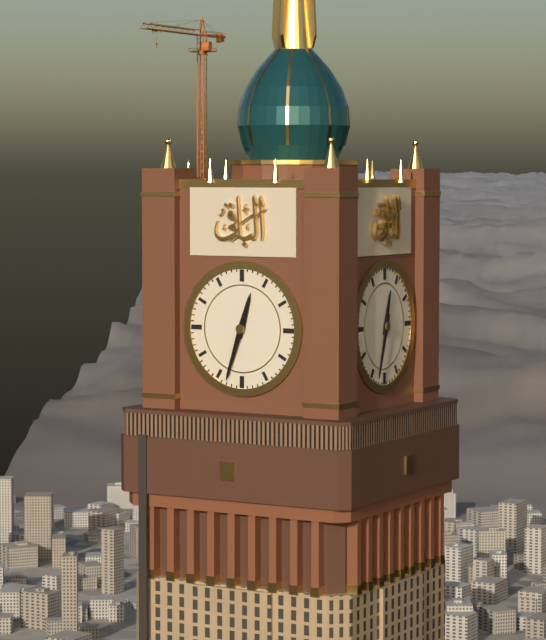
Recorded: 12 h 33 min
